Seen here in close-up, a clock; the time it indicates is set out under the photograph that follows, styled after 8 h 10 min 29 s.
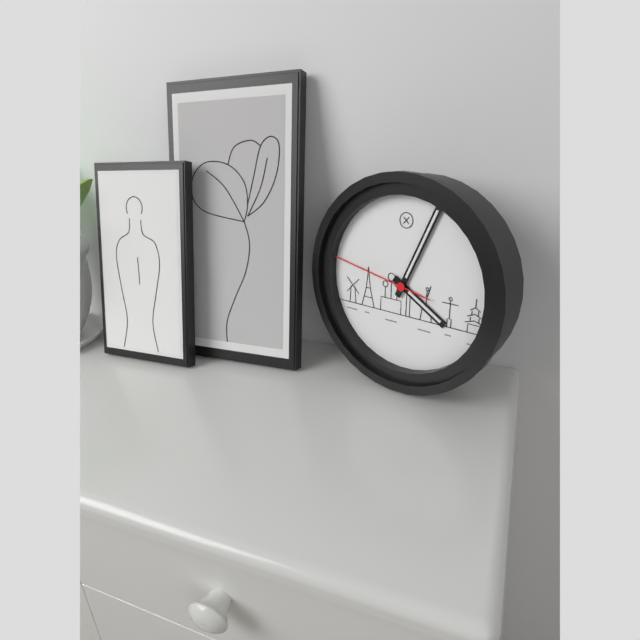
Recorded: 4 h 04 min 47 s
